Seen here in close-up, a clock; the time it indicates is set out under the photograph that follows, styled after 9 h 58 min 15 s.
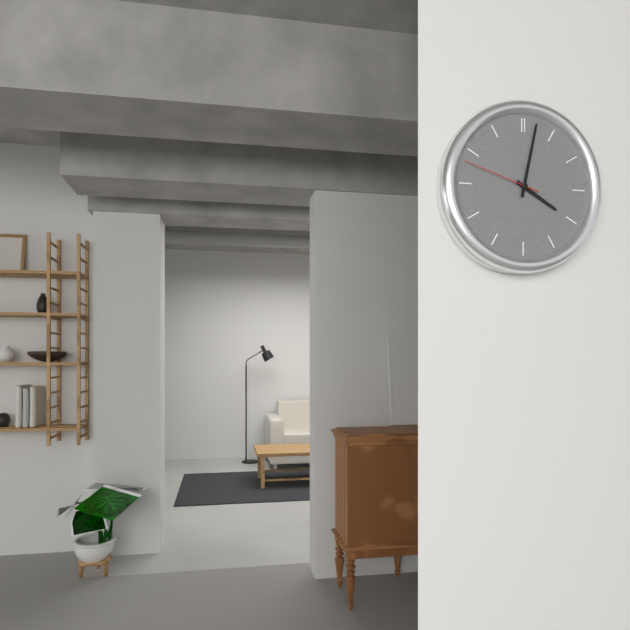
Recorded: 4 h 02 min 48 s
